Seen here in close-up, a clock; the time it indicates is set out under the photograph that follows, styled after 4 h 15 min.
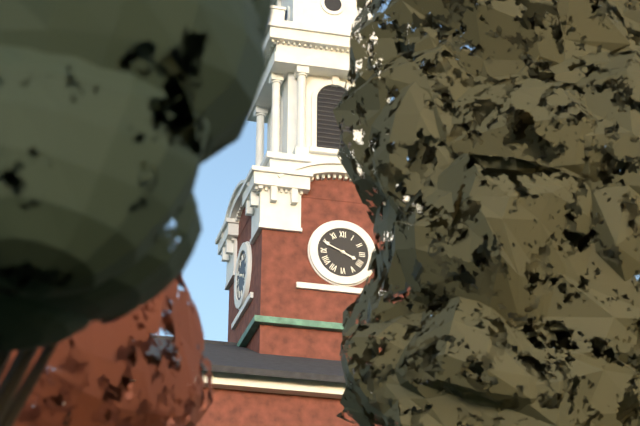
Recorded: 3 h 49 min
